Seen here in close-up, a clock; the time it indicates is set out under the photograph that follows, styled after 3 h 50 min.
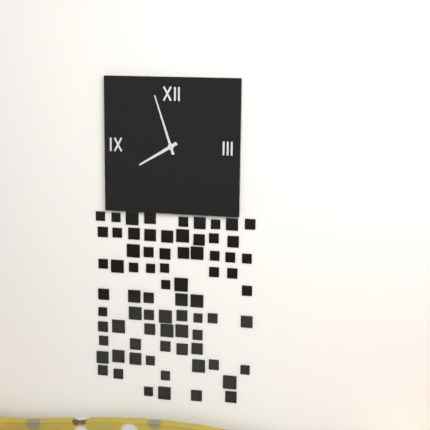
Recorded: 7 h 57 min
